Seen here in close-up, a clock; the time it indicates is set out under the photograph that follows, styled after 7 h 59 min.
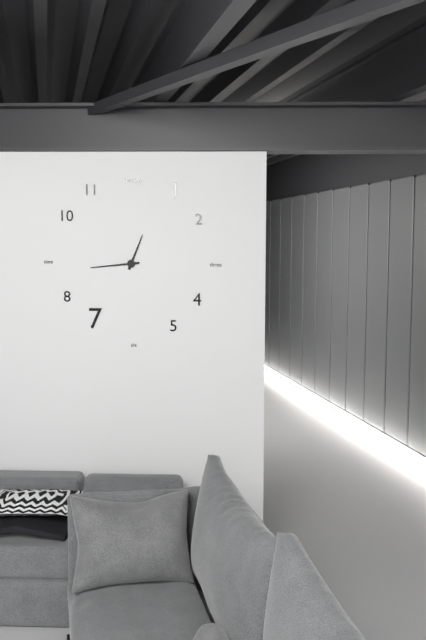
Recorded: 12 h 44 min
